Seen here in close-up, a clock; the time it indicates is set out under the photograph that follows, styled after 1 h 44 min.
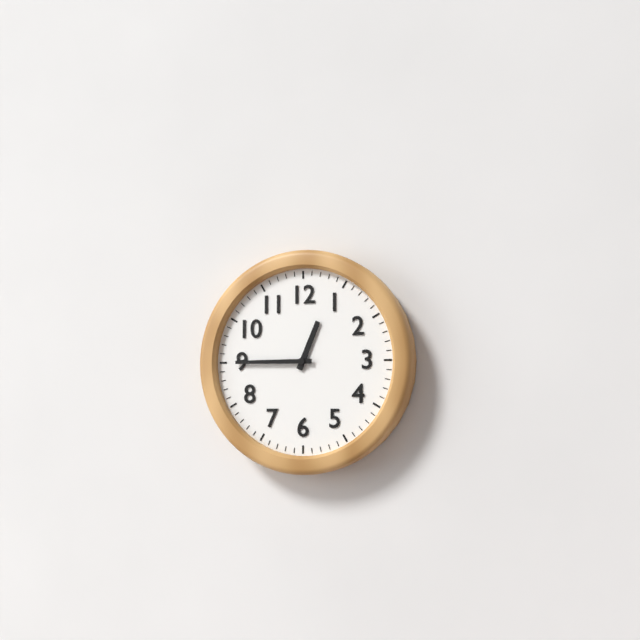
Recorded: 12 h 45 min
